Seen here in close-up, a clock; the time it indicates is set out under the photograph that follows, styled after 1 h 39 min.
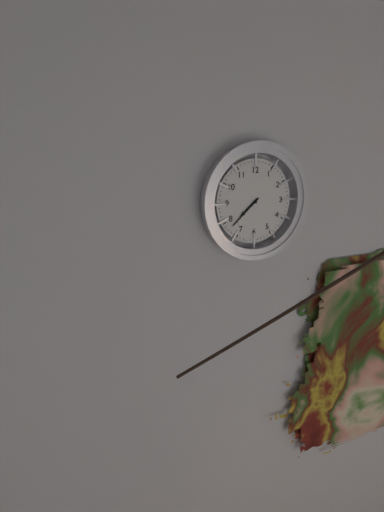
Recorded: 7 h 38 min
